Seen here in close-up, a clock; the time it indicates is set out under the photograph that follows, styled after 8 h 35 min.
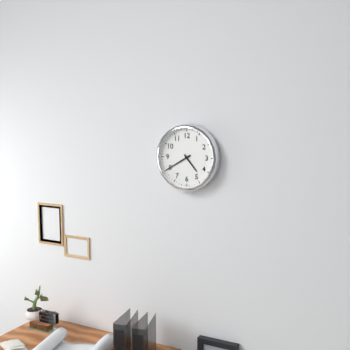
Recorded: 4 h 40 min
